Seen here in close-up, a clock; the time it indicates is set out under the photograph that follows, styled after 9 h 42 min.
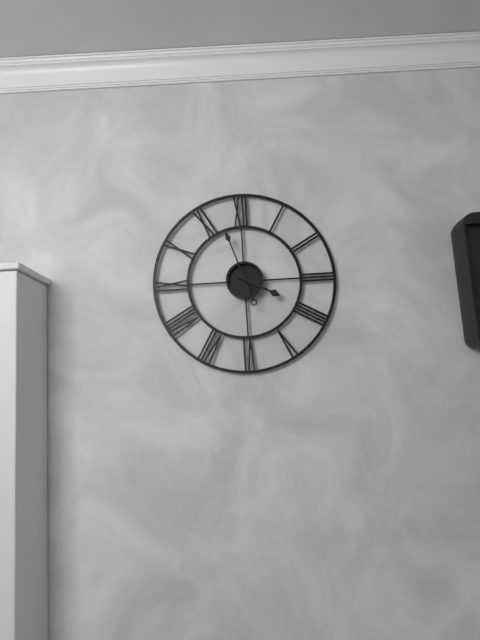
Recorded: 3 h 57 min
